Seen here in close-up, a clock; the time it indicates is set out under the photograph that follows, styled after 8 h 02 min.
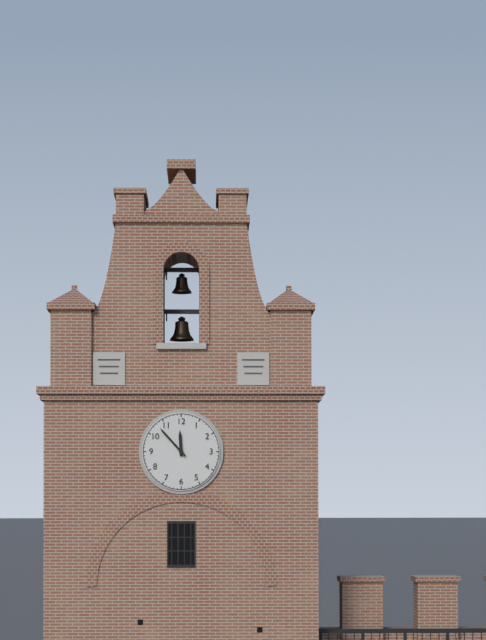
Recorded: 11 h 53 min
